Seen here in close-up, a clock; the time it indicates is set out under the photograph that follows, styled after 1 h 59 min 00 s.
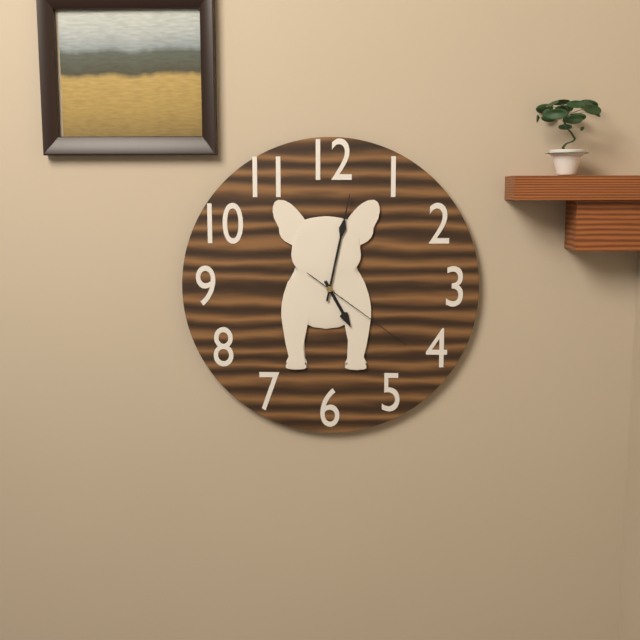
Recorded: 5 h 02 min 21 s
